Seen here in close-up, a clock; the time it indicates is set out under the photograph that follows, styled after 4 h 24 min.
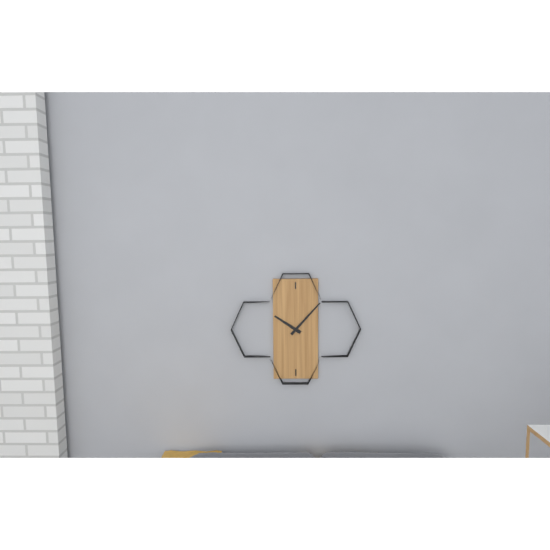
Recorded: 10 h 07 min
